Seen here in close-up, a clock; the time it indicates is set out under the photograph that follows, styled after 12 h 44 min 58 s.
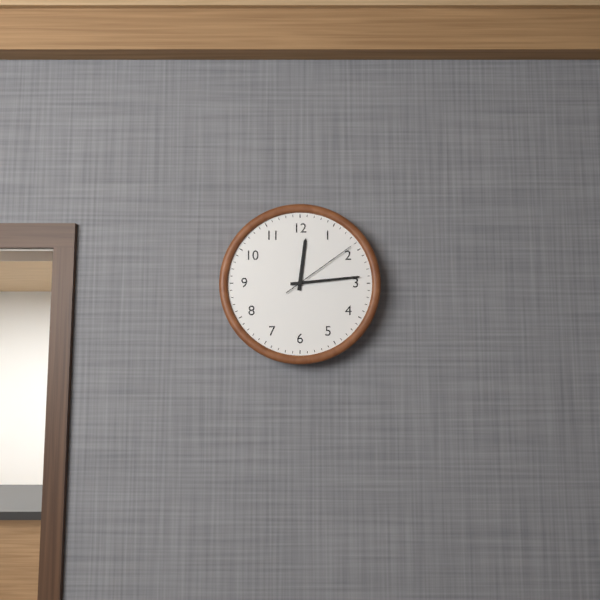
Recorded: 12 h 14 min 09 s
